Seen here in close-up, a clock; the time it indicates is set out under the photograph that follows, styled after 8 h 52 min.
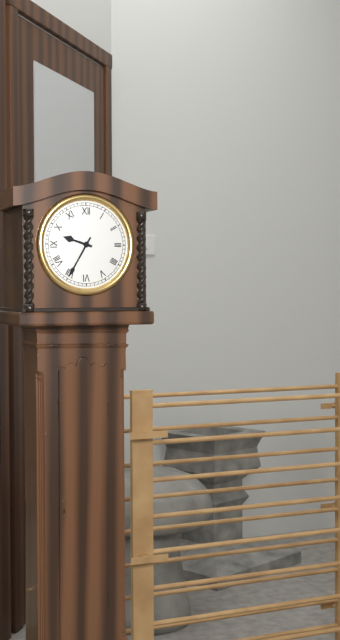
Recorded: 9 h 35 min
